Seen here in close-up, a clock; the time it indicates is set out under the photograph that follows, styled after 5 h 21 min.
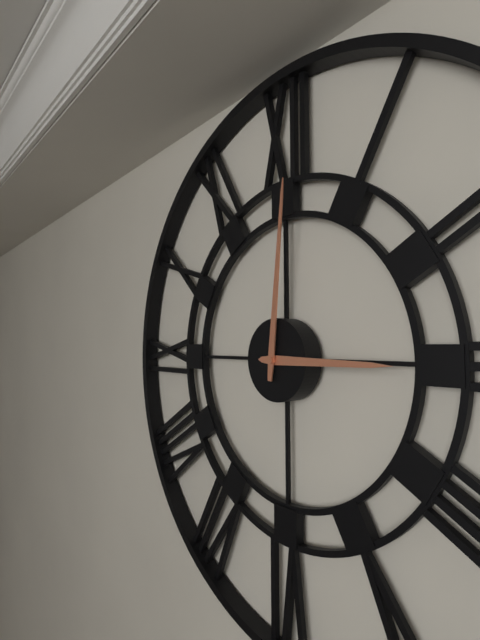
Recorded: 3 h 01 min
